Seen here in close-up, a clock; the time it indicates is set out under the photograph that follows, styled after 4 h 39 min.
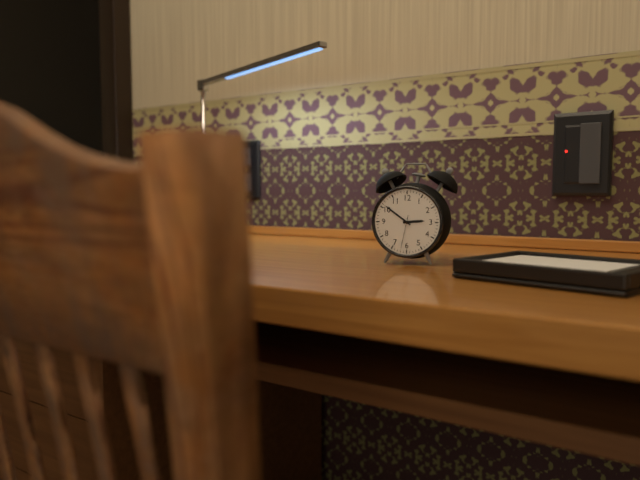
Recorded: 2 h 51 min
